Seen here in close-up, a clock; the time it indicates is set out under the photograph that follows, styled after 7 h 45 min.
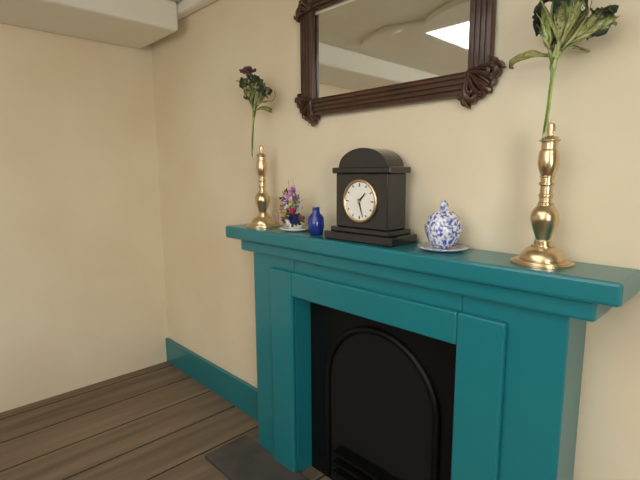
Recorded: 1 h 27 min
